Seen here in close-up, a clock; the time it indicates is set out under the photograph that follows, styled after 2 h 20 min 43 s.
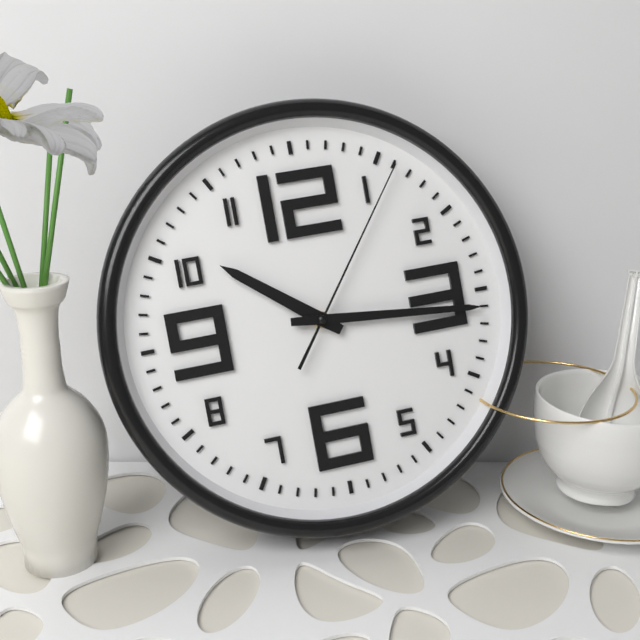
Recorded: 10 h 16 min 06 s
